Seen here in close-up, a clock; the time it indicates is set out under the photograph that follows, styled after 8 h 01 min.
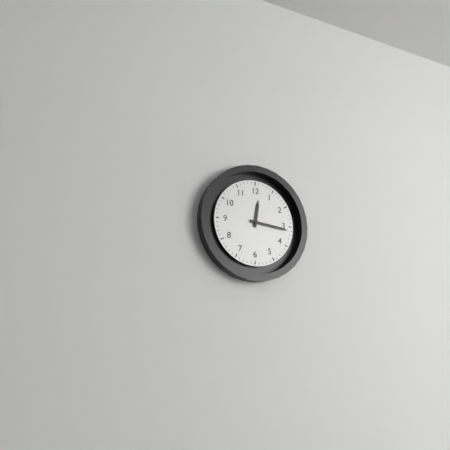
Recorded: 12 h 16 min
